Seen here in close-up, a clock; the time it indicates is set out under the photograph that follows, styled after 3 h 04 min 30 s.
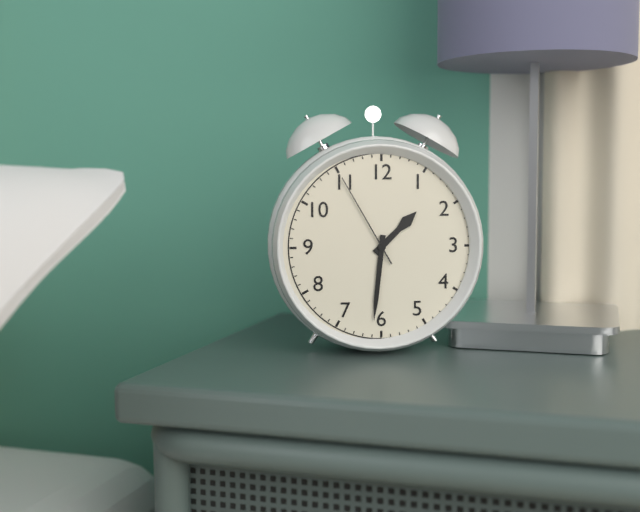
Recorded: 1 h 31 min 55 s
